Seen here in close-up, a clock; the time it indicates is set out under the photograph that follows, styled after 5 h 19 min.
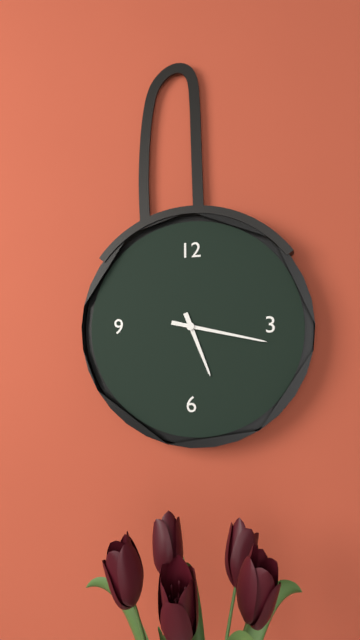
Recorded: 5 h 17 min
